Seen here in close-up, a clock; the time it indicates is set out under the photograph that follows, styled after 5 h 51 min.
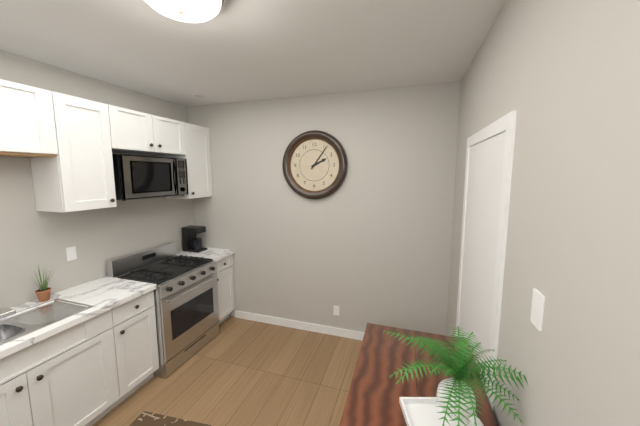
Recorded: 2 h 06 min
